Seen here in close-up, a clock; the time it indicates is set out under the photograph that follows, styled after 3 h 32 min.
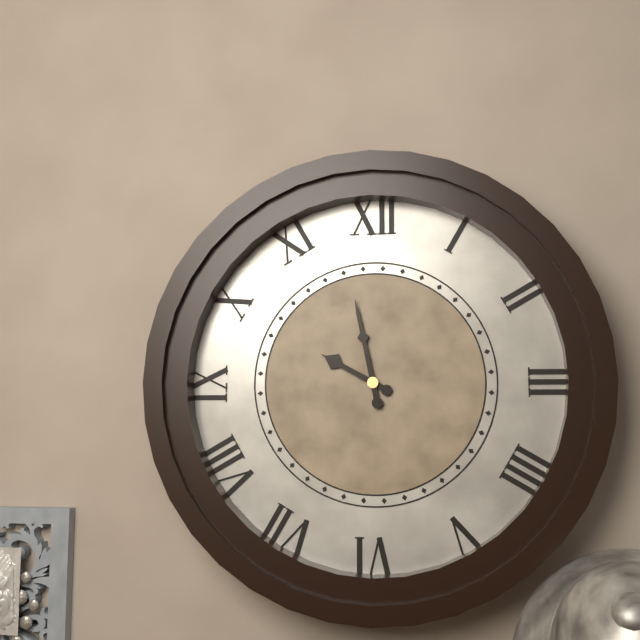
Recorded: 9 h 58 min
